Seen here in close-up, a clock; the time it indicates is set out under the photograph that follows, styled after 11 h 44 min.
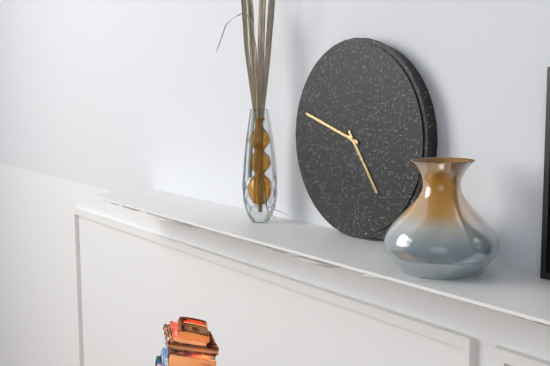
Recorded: 4 h 48 min
